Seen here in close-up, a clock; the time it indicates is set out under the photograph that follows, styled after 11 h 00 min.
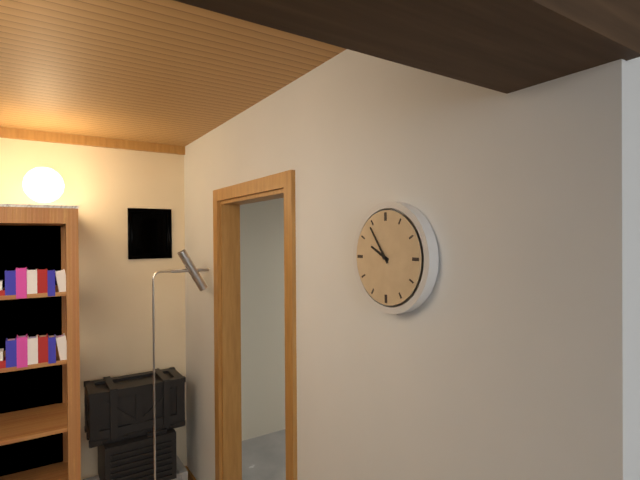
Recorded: 9 h 54 min
